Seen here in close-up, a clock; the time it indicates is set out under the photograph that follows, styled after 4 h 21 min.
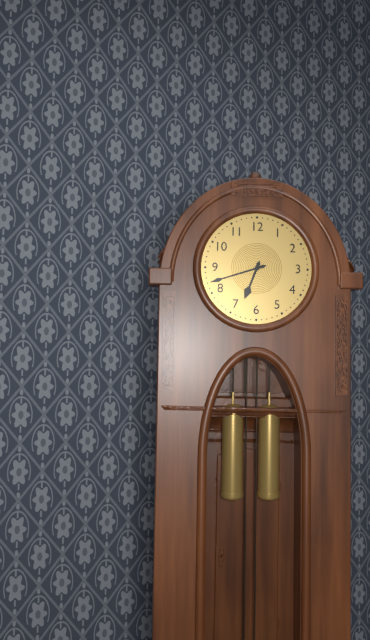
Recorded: 6 h 42 min
